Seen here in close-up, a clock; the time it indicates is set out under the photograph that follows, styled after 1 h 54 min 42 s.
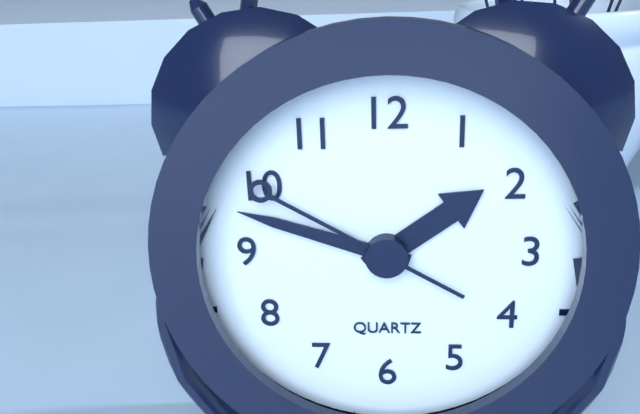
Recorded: 1 h 48 min 50 s
